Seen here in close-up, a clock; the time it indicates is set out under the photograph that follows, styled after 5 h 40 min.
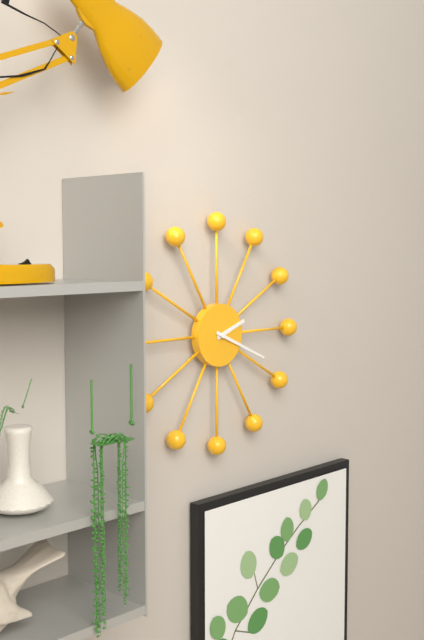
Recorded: 2 h 19 min
